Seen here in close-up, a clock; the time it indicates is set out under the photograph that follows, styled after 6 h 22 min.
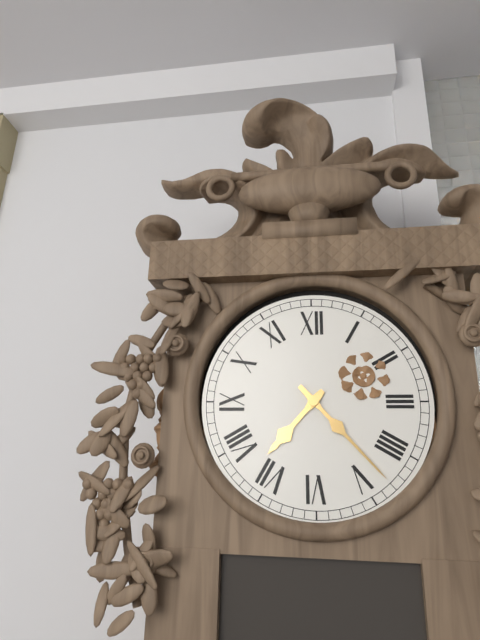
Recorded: 7 h 23 min
